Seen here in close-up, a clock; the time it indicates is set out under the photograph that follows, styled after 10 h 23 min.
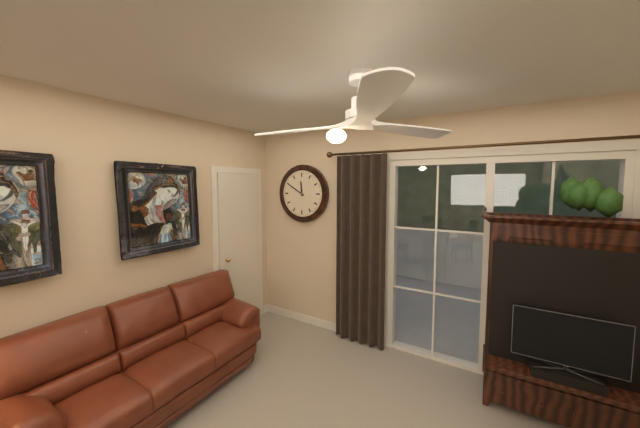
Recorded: 11 h 50 min
